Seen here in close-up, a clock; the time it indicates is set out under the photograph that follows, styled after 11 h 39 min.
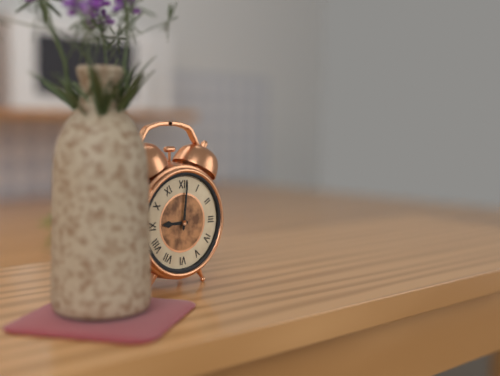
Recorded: 9 h 01 min
